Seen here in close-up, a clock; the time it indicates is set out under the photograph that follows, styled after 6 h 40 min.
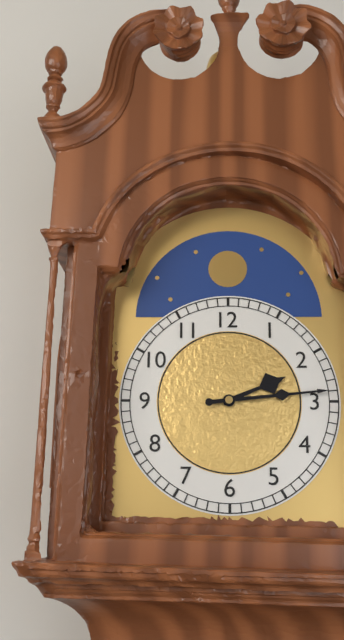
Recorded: 2 h 14 min
